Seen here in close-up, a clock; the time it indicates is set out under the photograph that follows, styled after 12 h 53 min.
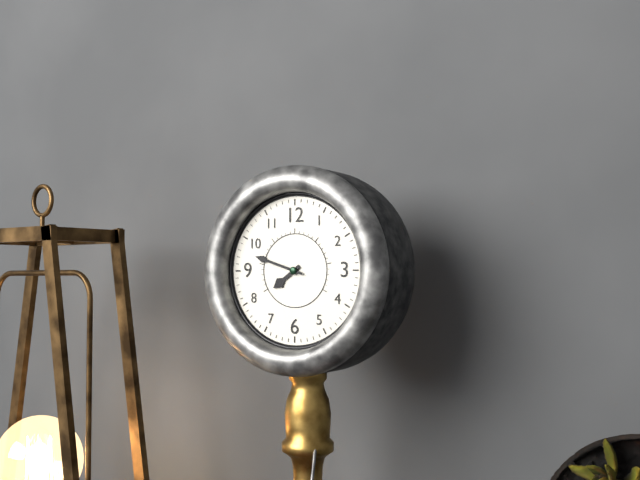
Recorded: 7 h 48 min
